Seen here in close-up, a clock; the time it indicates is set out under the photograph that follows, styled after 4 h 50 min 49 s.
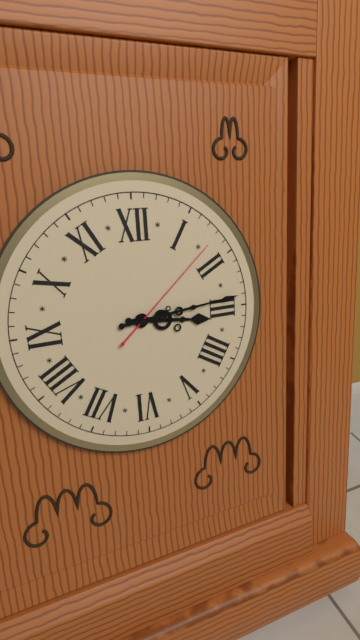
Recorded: 3 h 14 min 08 s
